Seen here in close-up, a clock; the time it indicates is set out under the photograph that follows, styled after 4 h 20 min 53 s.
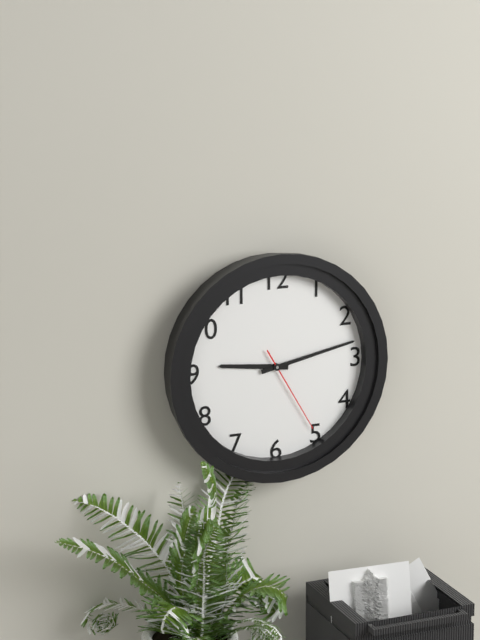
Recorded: 9 h 13 min 25 s
